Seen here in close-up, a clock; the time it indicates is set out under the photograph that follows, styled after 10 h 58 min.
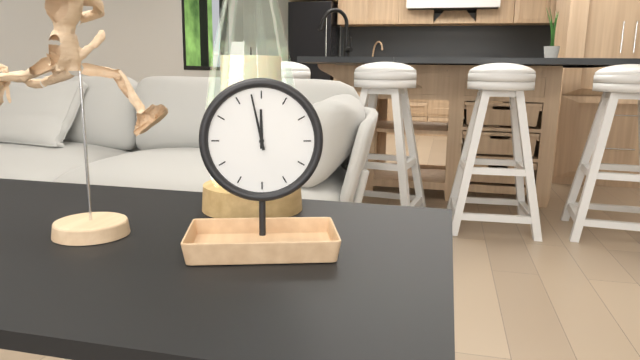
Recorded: 11 h 58 min
